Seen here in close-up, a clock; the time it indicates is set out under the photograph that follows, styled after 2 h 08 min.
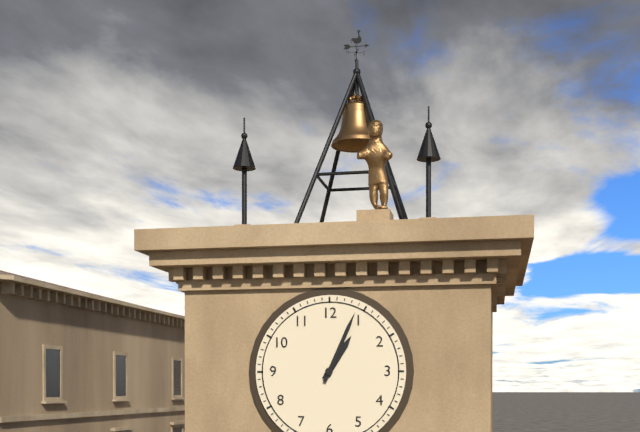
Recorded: 1 h 04 min
